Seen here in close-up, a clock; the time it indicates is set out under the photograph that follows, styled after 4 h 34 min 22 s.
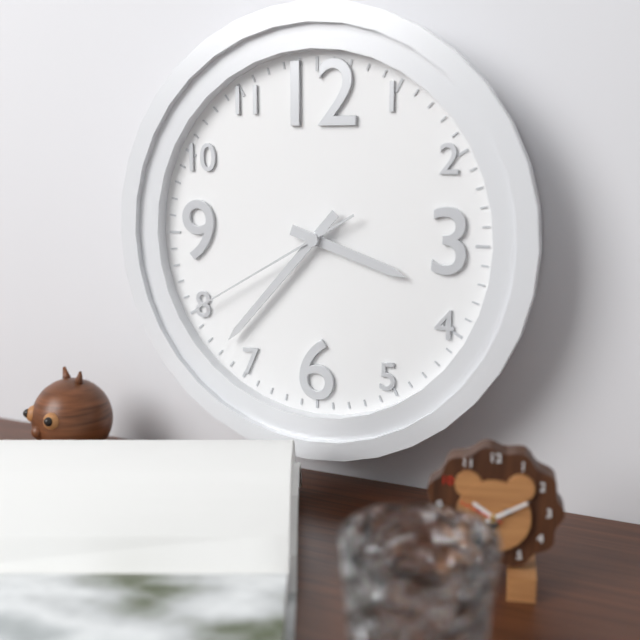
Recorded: 3 h 37 min 40 s
